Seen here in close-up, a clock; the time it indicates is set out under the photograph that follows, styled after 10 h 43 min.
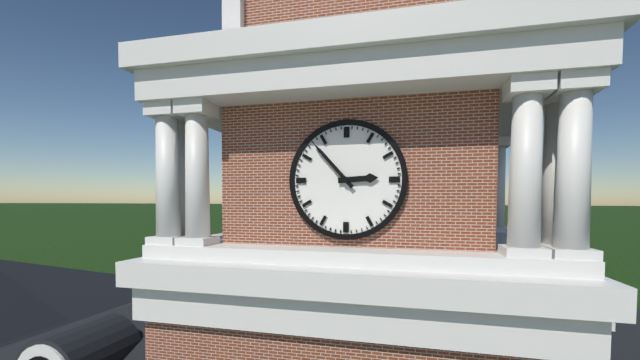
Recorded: 2 h 53 min
